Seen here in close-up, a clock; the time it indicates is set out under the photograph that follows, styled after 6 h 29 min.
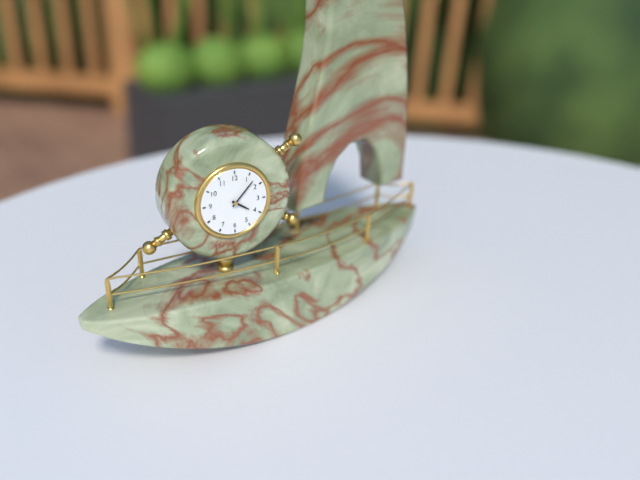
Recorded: 4 h 07 min
